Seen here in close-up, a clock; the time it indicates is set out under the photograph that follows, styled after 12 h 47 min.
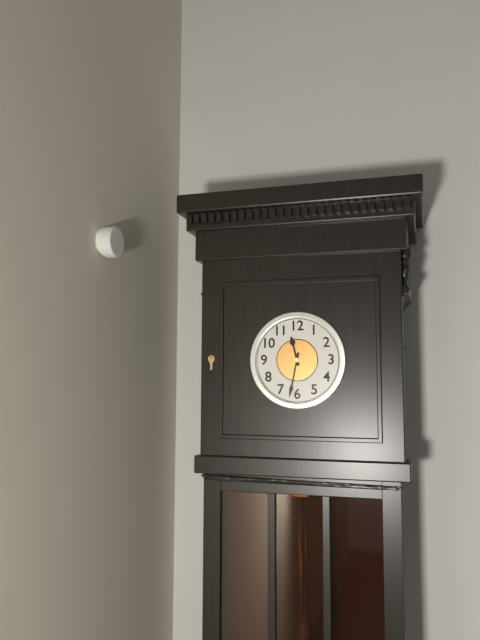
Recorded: 11 h 32 min
